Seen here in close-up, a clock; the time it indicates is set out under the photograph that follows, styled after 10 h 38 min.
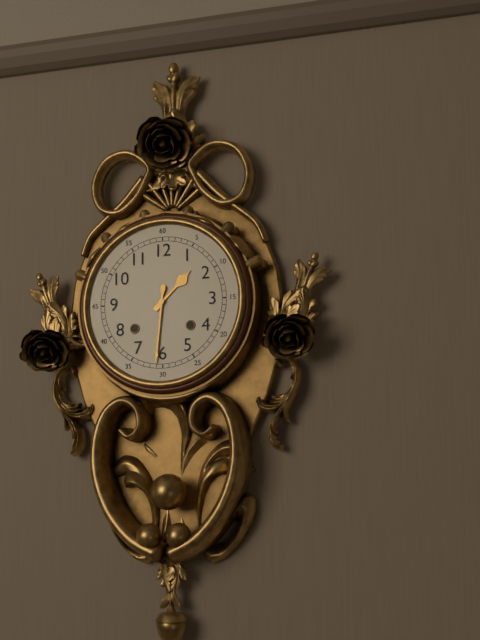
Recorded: 1 h 31 min
